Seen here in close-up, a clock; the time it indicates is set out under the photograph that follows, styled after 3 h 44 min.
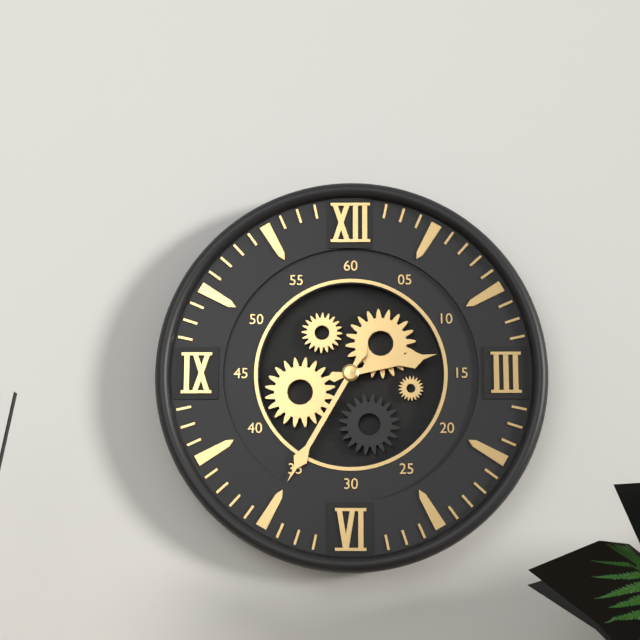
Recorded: 2 h 35 min
